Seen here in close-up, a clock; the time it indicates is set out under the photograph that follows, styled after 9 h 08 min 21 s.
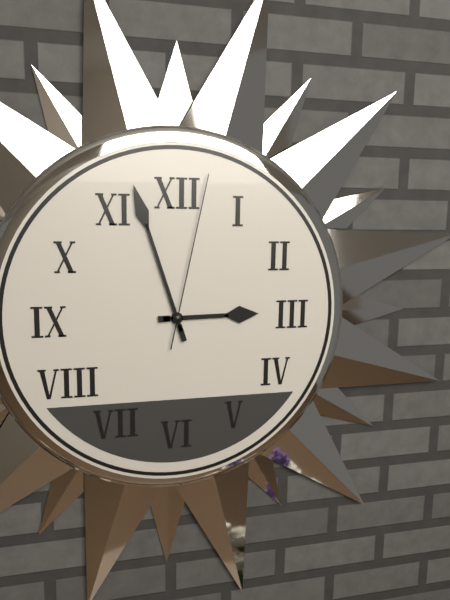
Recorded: 2 h 57 min 02 s
